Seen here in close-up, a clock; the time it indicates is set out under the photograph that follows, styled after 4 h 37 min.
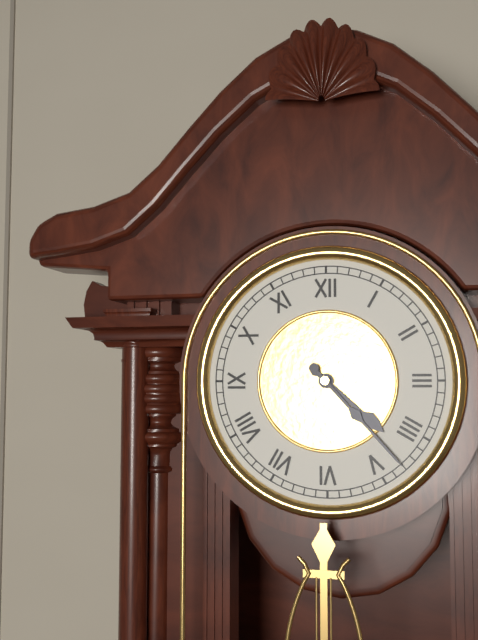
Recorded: 4 h 23 min
